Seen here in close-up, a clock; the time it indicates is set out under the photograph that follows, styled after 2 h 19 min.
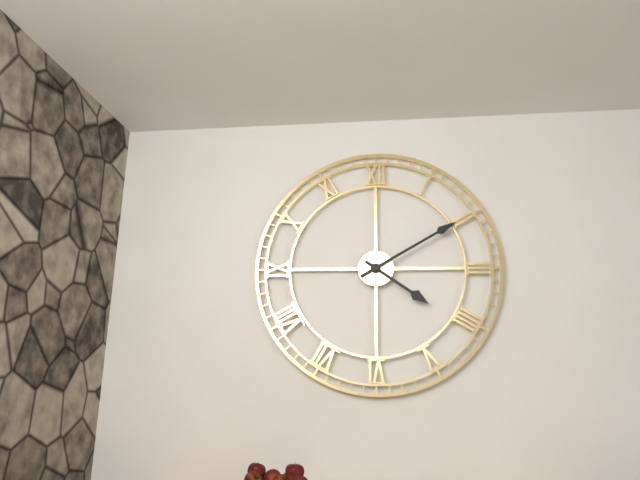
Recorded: 4 h 10 min
